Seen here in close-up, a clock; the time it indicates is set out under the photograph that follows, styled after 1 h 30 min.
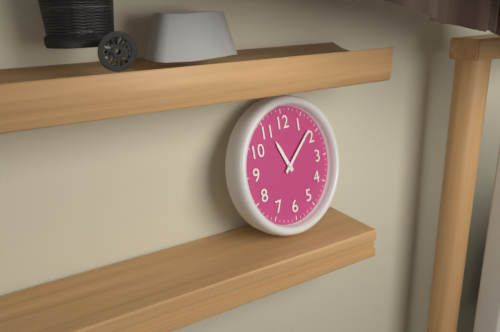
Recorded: 11 h 08 min
